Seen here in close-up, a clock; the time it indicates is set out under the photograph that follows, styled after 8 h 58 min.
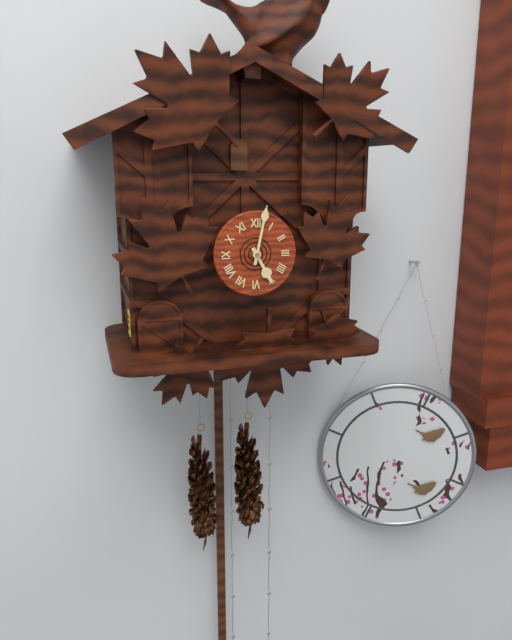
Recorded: 5 h 02 min
